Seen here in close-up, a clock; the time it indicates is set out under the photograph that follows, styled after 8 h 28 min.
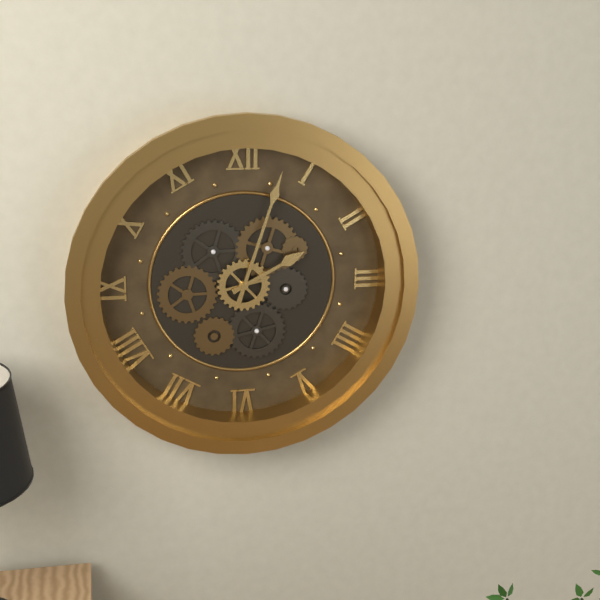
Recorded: 2 h 03 min
